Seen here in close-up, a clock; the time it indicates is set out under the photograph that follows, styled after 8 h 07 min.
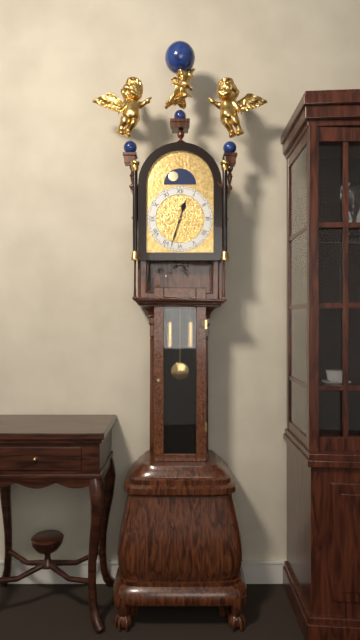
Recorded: 12 h 33 min
